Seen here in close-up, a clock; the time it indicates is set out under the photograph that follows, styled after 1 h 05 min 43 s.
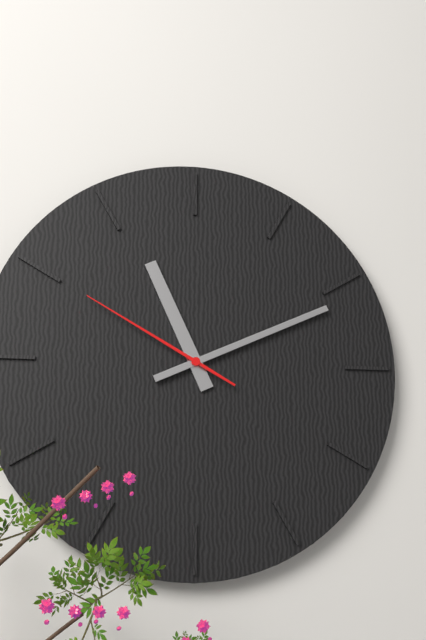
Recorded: 11 h 11 min 50 s
